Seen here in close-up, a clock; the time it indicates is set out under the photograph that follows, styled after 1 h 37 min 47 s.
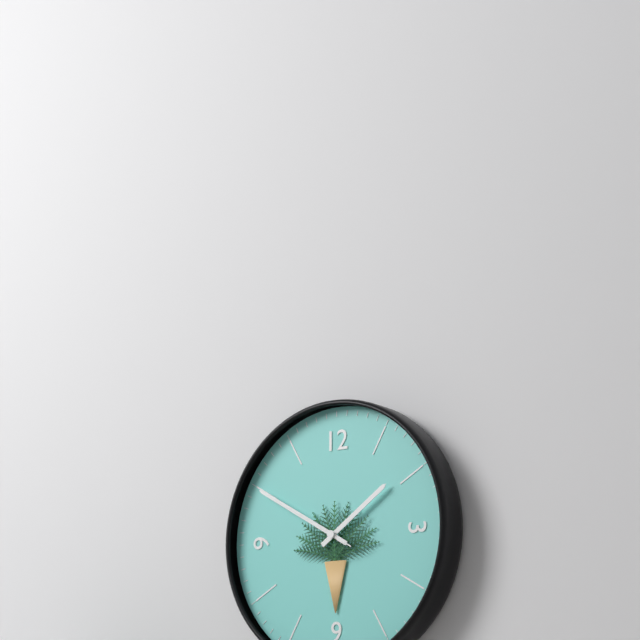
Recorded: 1 h 50 min 50 s
